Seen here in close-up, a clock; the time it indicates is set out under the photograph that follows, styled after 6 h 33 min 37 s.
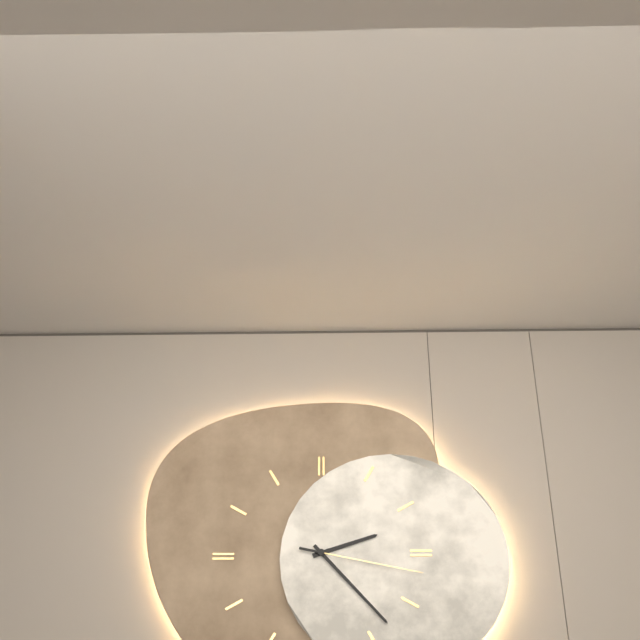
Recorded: 2 h 23 min 17 s
